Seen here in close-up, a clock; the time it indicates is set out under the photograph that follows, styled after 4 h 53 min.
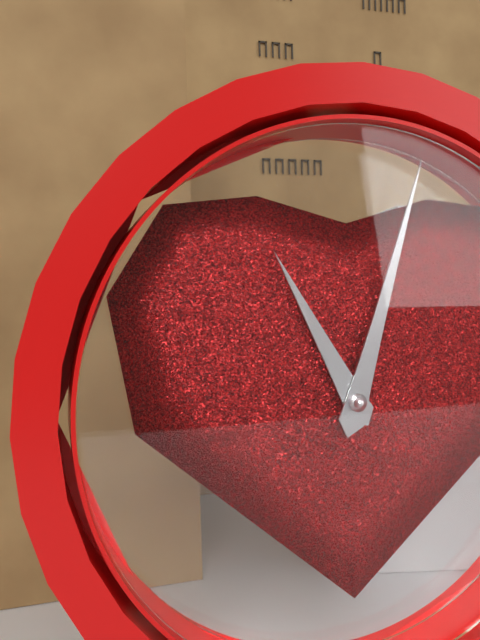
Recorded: 11 h 03 min
